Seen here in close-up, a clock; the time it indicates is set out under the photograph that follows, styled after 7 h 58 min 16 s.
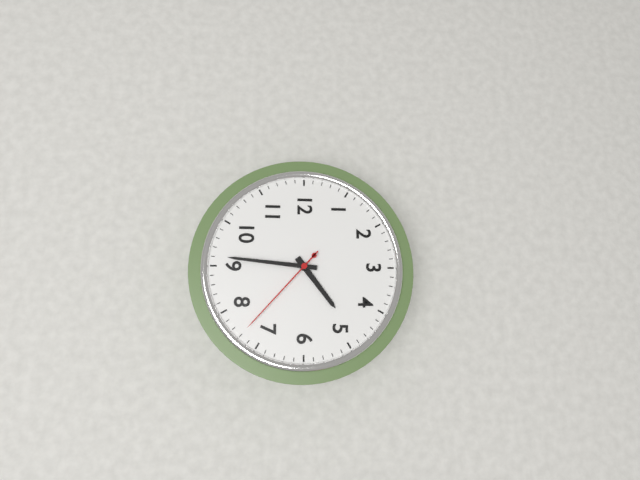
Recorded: 4 h 46 min 37 s
